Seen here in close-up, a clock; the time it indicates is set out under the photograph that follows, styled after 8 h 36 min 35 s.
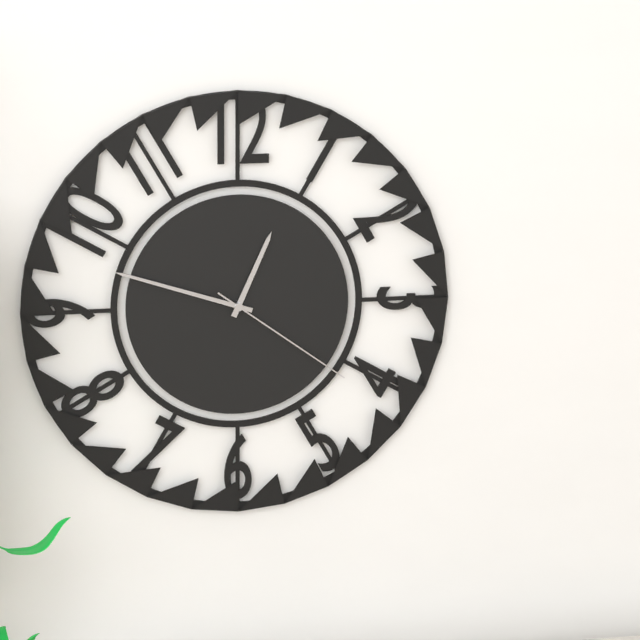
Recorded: 12 h 48 min 21 s
